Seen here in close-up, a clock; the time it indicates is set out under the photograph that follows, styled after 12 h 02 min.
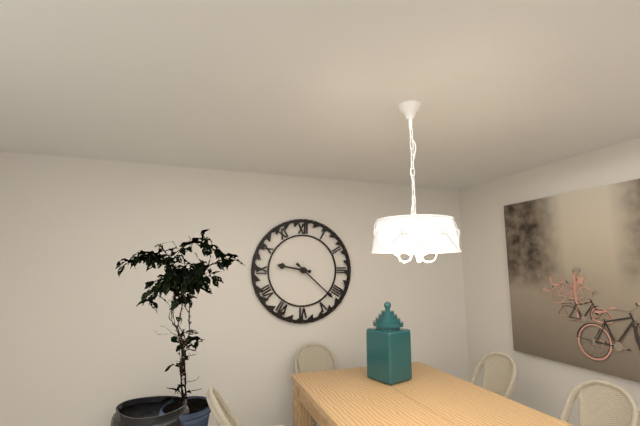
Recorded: 9 h 22 min
